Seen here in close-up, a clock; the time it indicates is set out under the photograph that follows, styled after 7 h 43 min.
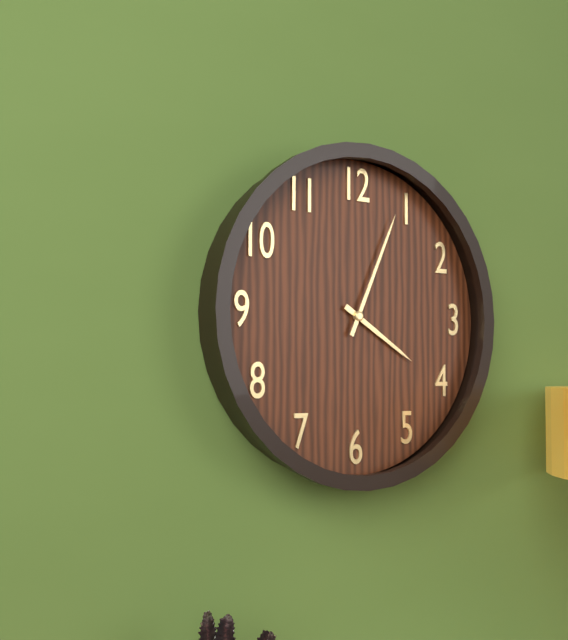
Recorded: 4 h 04 min
